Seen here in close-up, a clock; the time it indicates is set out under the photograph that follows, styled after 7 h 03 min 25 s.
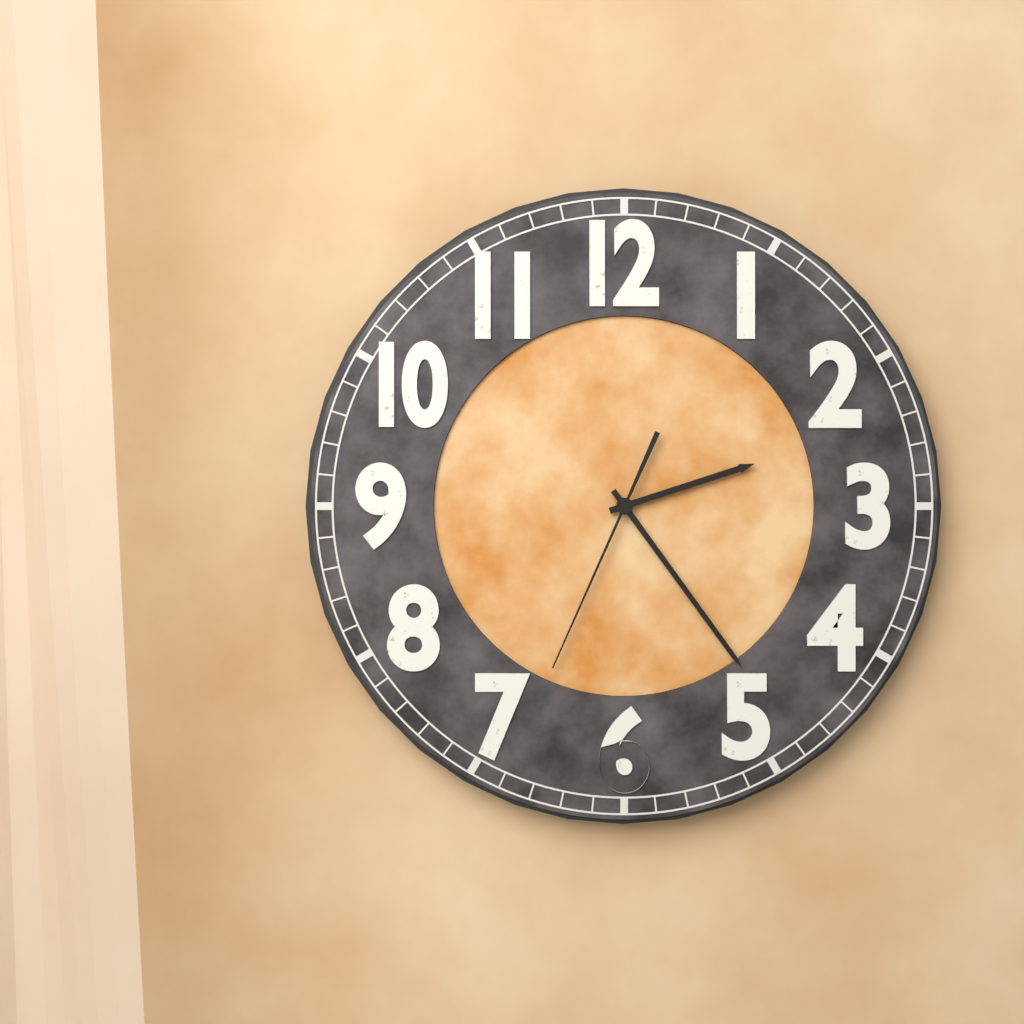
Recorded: 2 h 24 min 34 s
